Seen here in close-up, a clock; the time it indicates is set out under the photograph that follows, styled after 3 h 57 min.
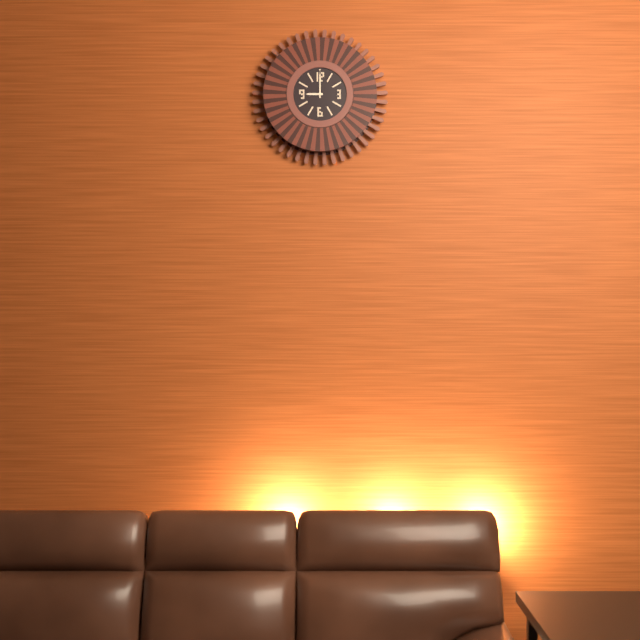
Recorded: 9 h 00 min
